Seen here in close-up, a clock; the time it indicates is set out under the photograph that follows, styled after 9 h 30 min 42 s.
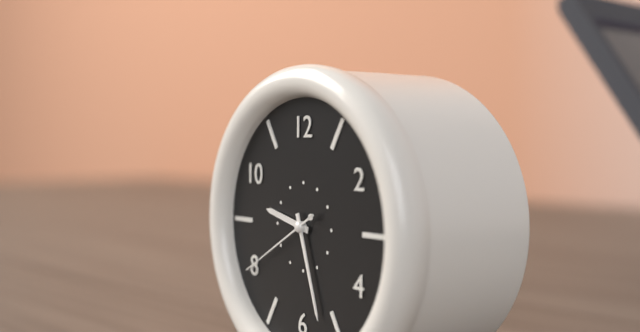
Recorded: 9 h 27 min 40 s
